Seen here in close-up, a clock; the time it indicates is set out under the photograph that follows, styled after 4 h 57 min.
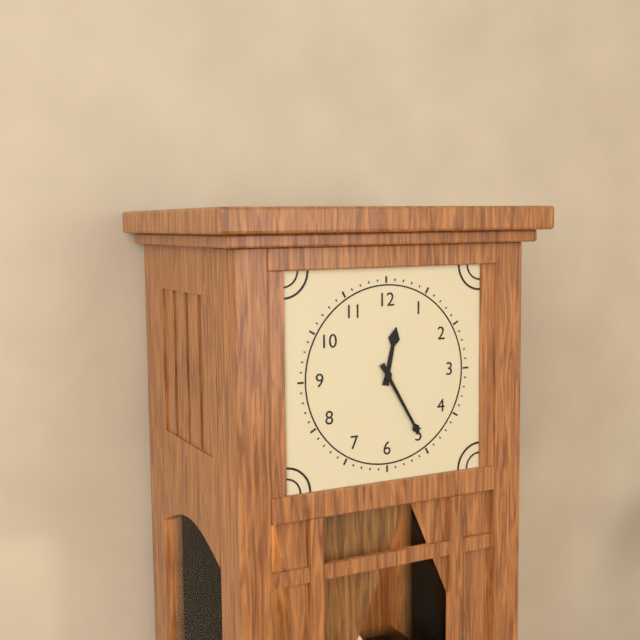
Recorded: 12 h 25 min
